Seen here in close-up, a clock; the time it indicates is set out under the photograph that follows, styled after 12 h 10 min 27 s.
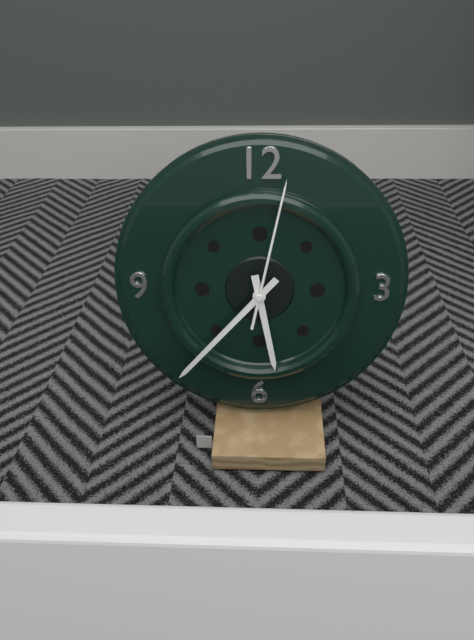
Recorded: 5 h 37 min 02 s
